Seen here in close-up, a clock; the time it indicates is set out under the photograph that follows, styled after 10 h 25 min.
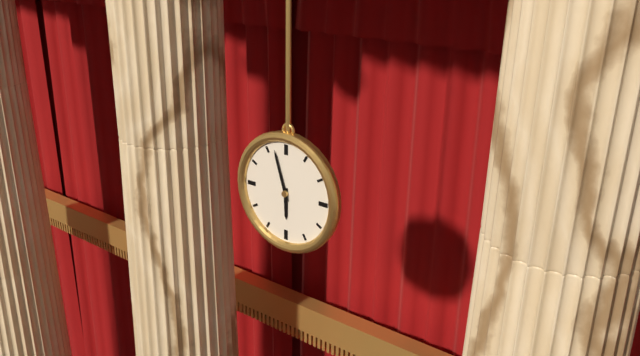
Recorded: 5 h 57 min
